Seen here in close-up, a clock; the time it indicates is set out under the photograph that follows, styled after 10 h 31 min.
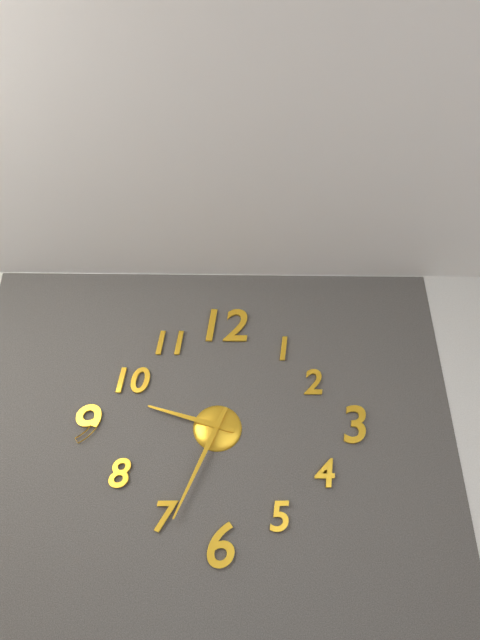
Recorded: 9 h 34 min
